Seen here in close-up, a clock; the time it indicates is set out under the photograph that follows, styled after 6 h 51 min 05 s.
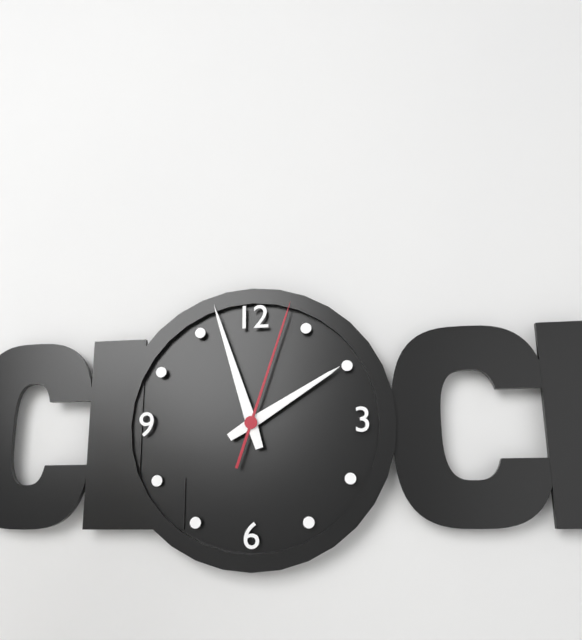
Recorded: 1 h 57 min 03 s
